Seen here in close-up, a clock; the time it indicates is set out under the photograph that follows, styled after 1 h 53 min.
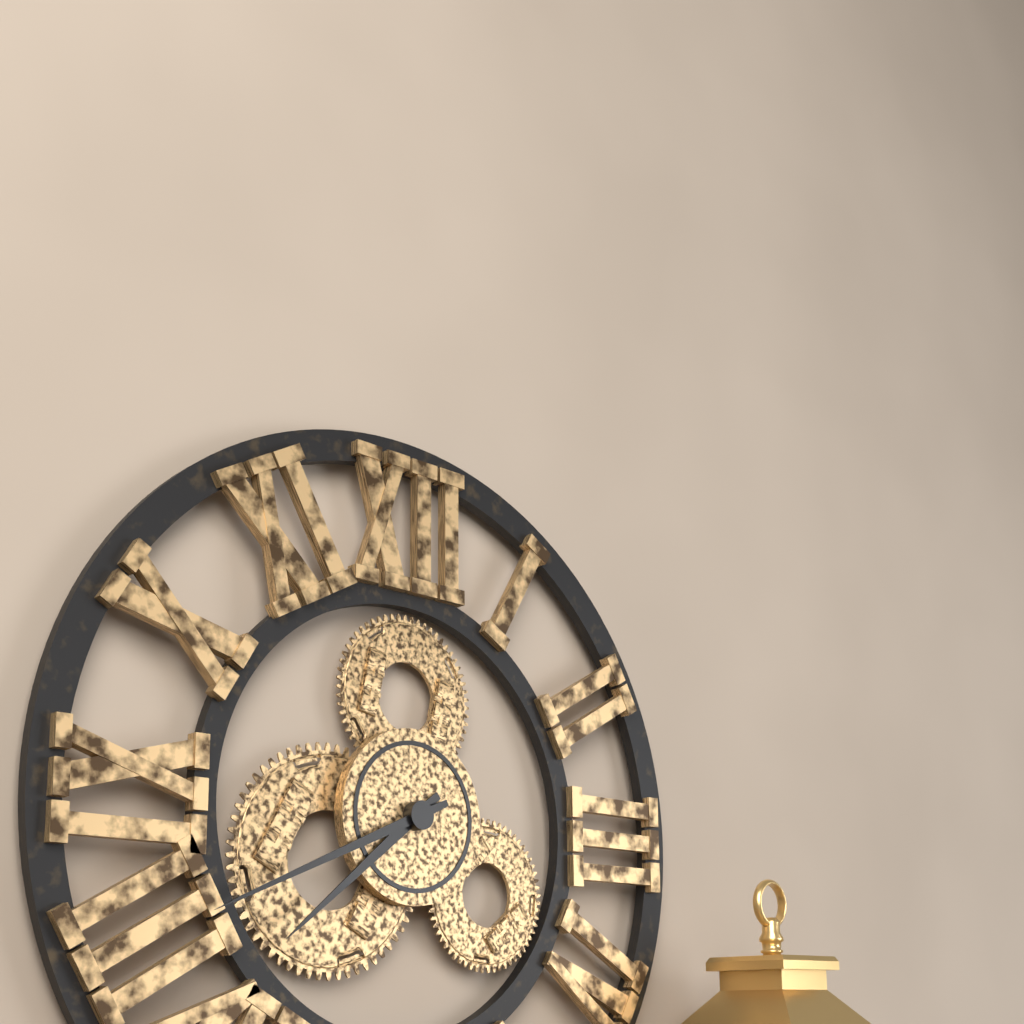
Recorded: 7 h 41 min
